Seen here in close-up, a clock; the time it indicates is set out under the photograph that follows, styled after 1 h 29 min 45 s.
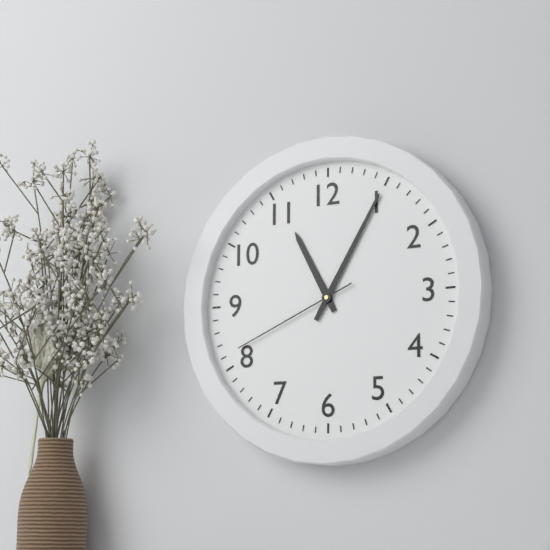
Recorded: 11 h 05 min 41 s
